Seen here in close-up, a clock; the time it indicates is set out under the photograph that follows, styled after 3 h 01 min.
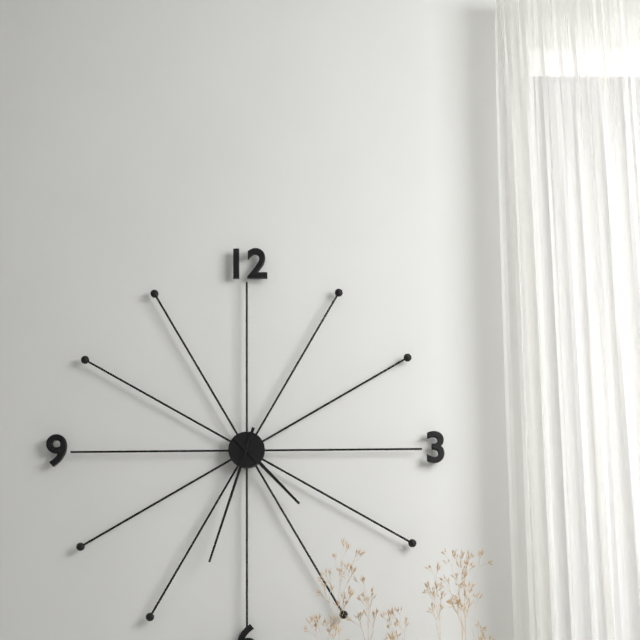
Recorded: 4 h 33 min
